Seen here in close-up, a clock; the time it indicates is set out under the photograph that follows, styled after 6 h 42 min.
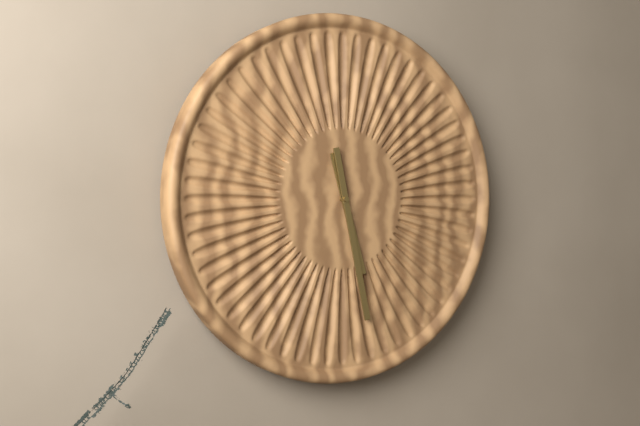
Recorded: 5 h 28 min
